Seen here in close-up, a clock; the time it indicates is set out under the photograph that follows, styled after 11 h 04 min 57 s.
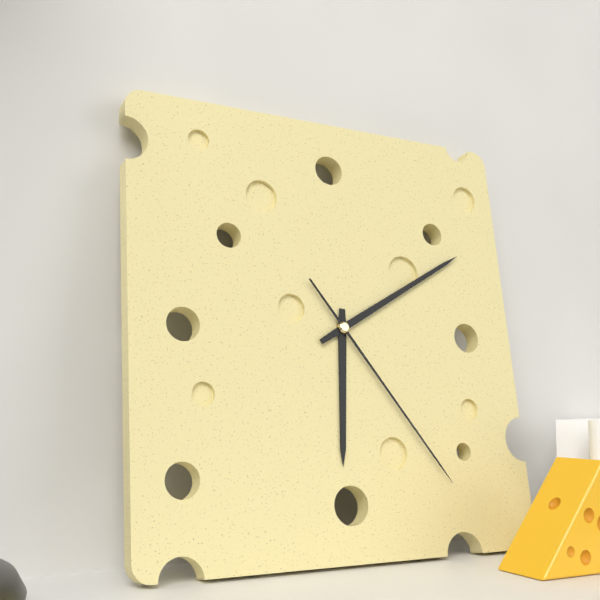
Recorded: 6 h 10 min 24 s
